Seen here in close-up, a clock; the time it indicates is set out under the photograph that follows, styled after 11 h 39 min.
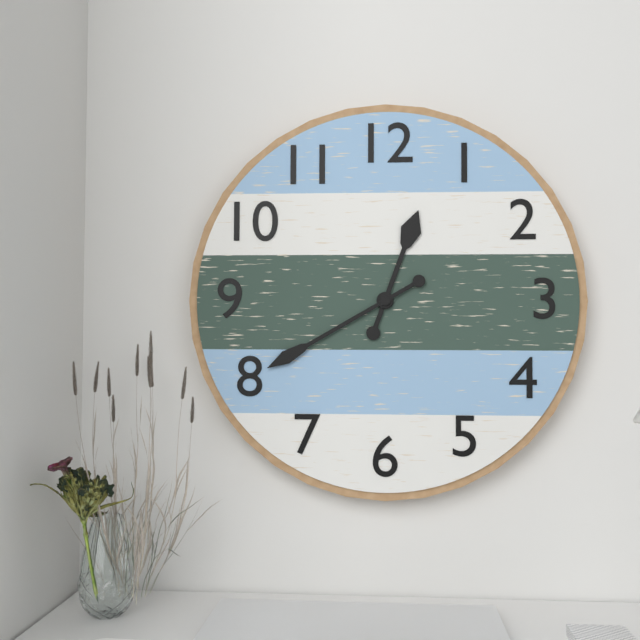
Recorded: 12 h 40 min
